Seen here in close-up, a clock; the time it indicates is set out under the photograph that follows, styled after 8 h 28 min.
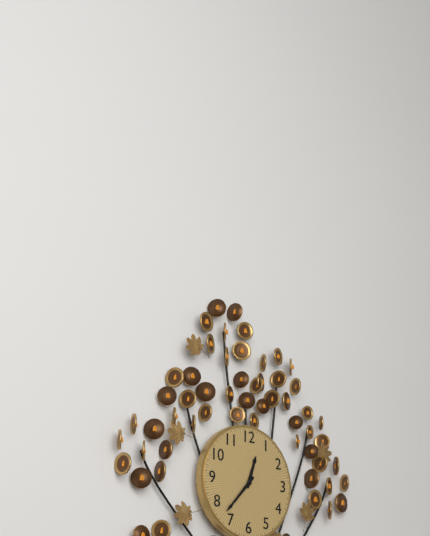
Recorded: 12 h 37 min
